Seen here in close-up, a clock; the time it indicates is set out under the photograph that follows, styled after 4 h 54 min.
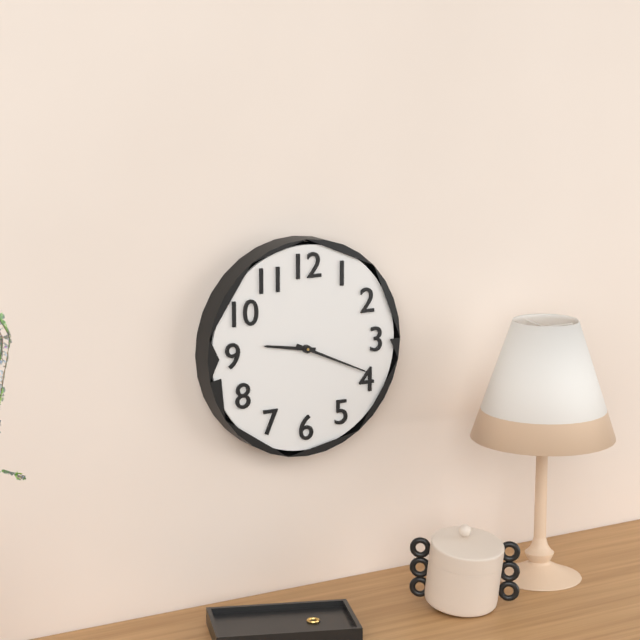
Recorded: 9 h 19 min
